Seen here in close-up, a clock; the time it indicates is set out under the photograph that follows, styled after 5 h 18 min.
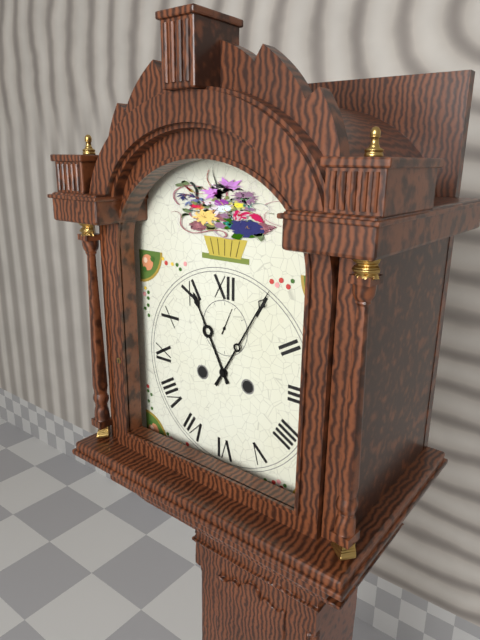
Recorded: 11 h 05 min
